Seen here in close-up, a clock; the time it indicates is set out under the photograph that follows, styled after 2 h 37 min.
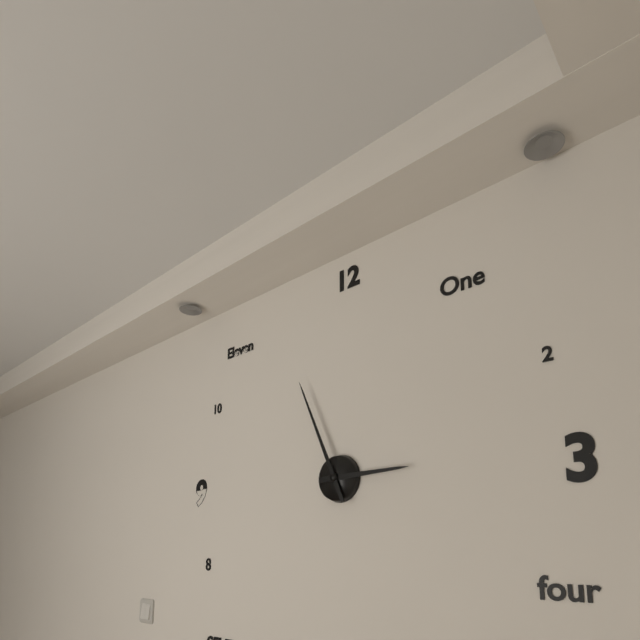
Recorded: 2 h 56 min
